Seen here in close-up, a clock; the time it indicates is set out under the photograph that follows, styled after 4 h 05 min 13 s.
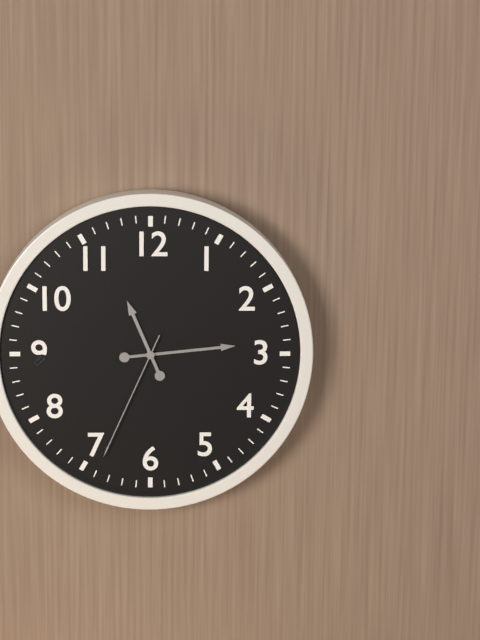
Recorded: 11 h 14 min 34 s
